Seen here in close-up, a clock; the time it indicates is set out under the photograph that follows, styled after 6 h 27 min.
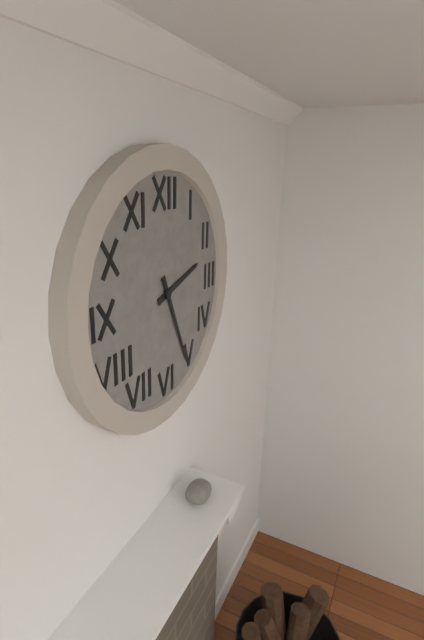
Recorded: 2 h 26 min
